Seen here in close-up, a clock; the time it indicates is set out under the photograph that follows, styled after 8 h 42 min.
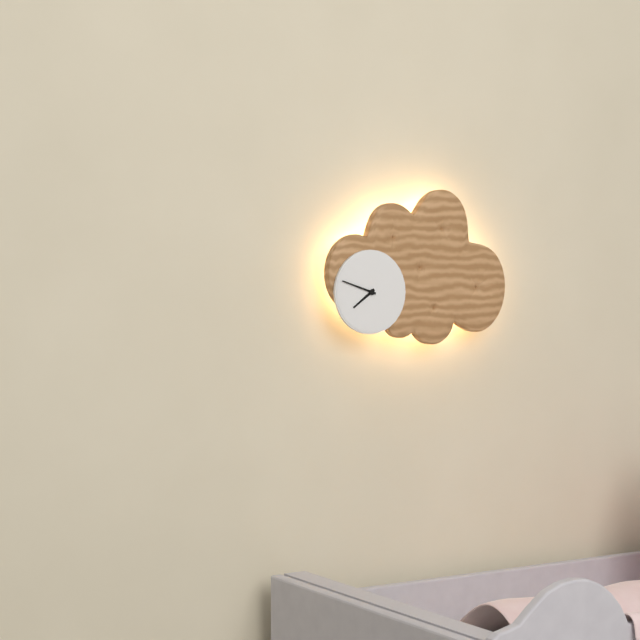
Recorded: 7 h 48 min
